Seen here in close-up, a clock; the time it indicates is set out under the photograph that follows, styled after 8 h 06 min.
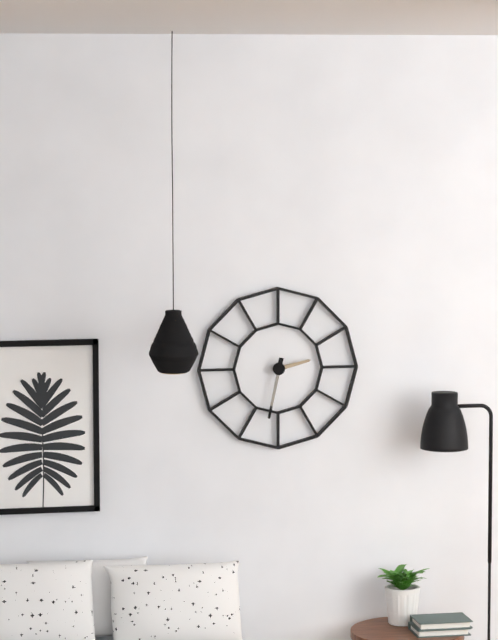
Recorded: 2 h 32 min
